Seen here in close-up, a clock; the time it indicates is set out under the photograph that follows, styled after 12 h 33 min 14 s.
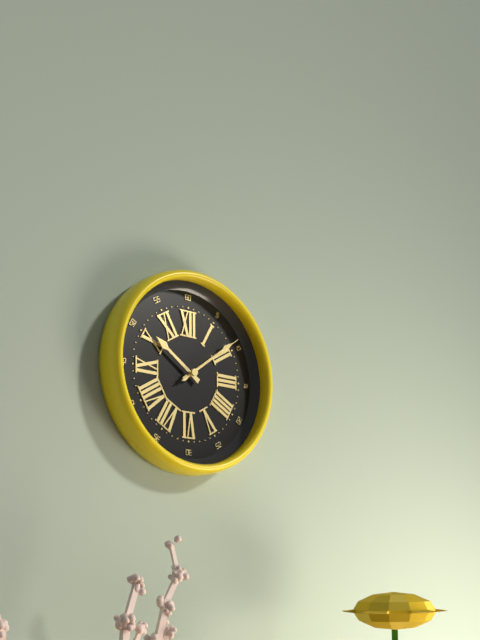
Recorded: 10 h 09 min 09 s
